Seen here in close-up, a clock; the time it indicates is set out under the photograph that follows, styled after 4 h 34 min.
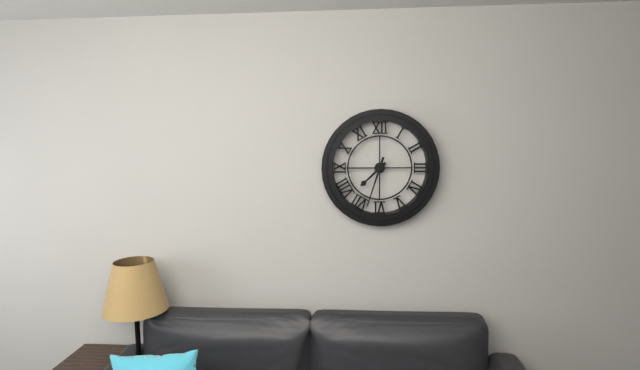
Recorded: 7 h 33 min
